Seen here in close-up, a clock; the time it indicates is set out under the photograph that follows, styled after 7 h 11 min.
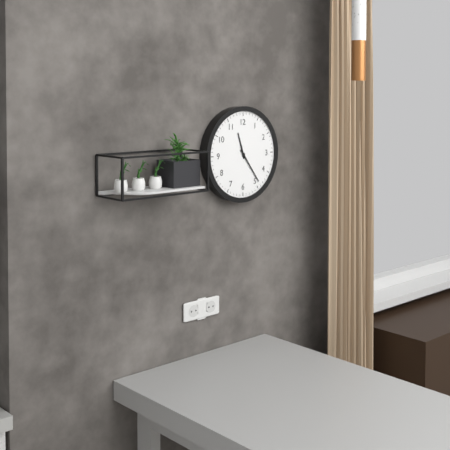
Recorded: 11 h 24 min
